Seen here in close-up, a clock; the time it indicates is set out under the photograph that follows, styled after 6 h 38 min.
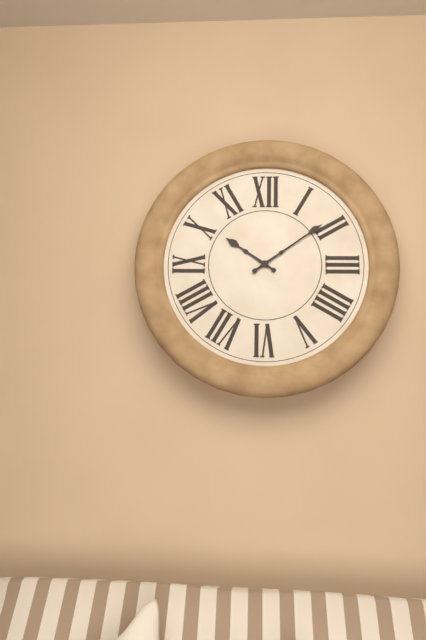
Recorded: 10 h 09 min
